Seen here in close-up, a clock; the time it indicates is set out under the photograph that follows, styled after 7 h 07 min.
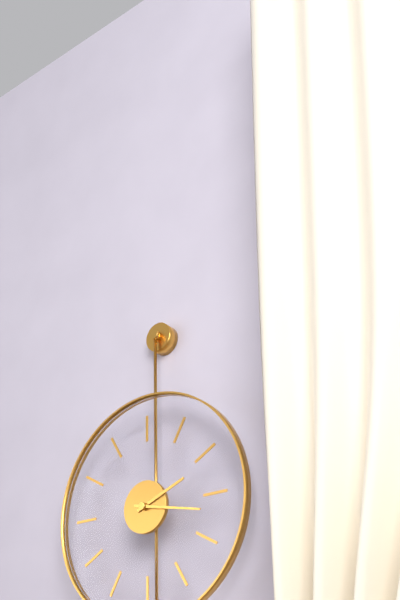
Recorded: 2 h 17 min
